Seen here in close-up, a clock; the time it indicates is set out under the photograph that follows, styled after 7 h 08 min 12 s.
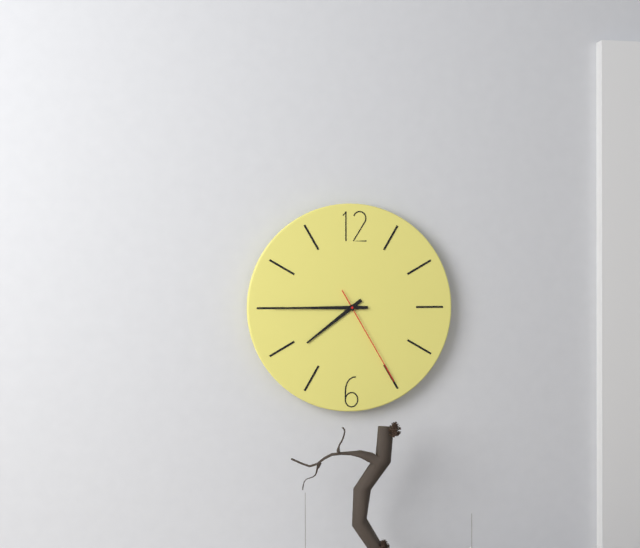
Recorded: 7 h 45 min 25 s
